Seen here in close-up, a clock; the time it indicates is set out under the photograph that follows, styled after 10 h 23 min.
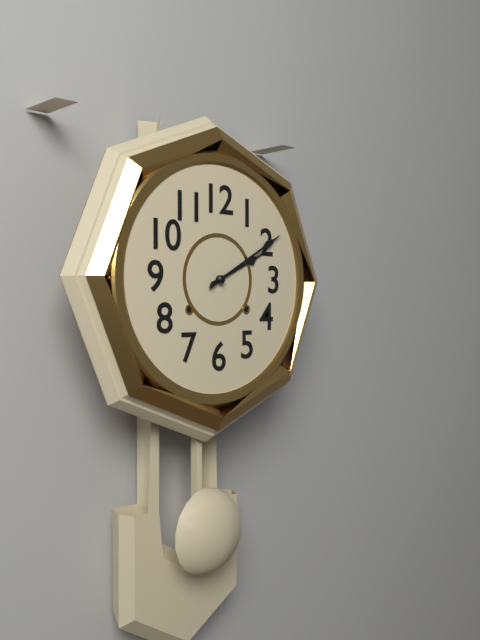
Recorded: 2 h 10 min
